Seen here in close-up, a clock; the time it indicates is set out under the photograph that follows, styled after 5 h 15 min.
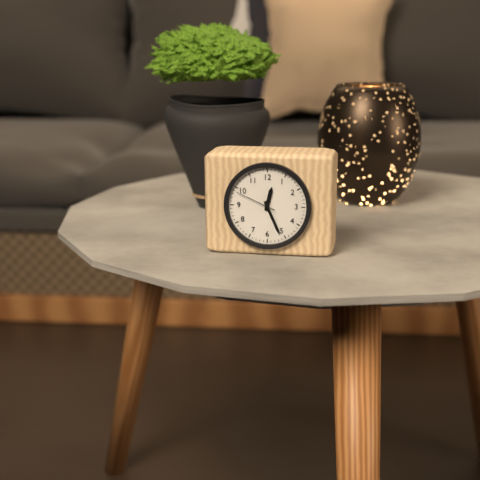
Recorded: 12 h 26 min
